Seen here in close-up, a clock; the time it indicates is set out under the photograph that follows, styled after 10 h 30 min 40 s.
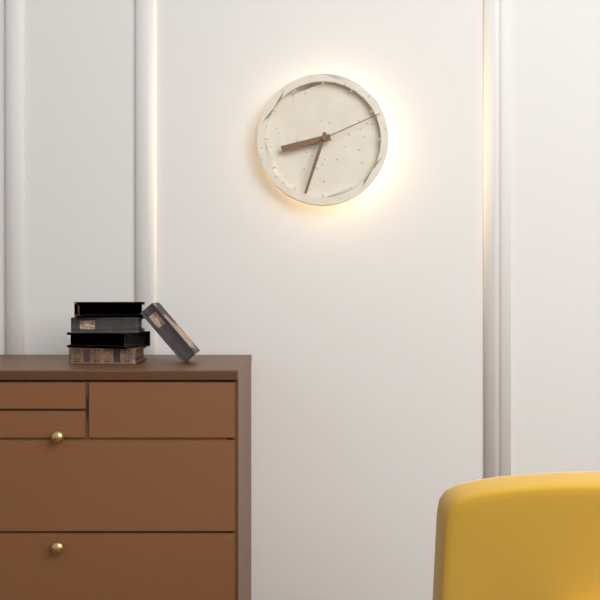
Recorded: 8 h 33 min 11 s
